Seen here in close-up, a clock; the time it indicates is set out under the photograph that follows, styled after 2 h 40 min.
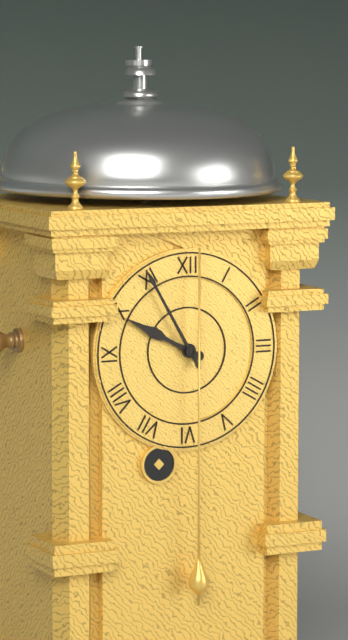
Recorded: 9 h 55 min
